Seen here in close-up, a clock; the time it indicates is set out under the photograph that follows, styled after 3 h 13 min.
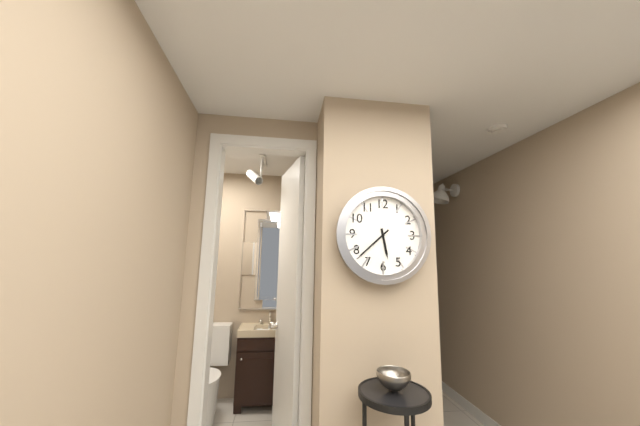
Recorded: 5 h 38 min
